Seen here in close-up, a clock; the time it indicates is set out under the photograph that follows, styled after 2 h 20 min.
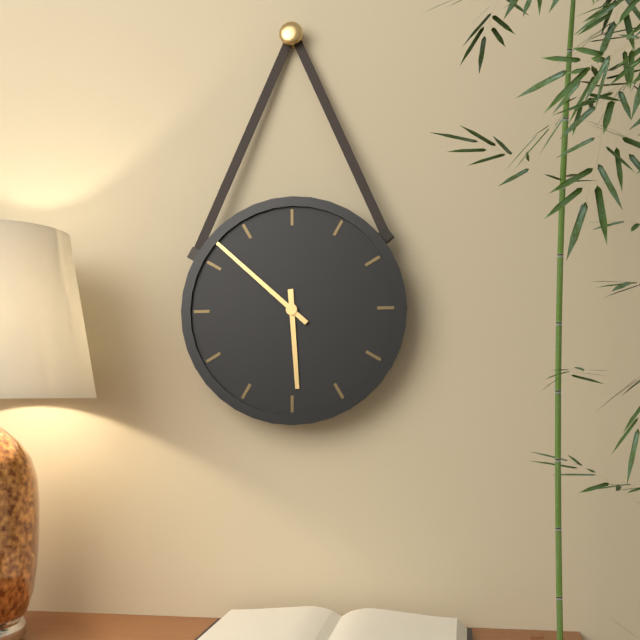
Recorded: 5 h 52 min
